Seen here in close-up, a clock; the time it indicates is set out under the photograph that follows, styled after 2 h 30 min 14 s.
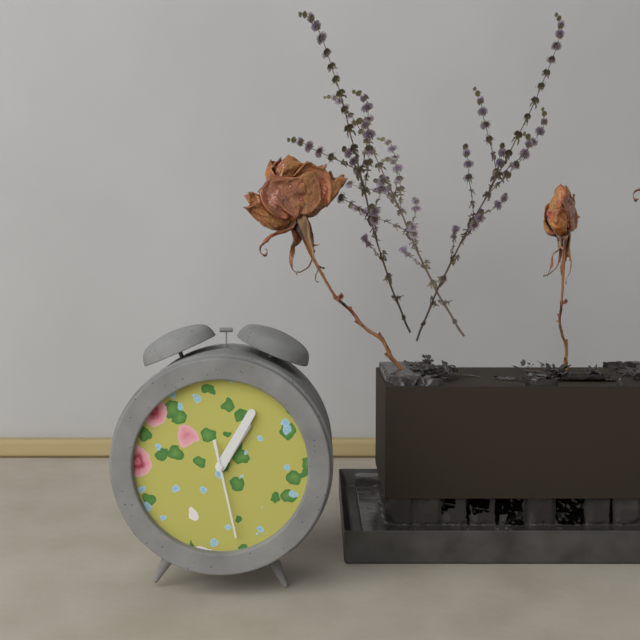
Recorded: 1 h 05 min 28 s
